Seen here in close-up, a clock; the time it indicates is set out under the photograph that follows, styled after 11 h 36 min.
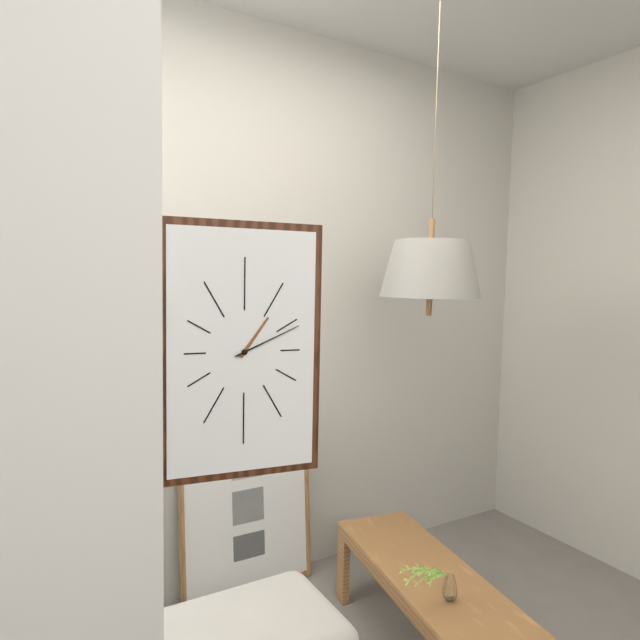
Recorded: 1 h 11 min
